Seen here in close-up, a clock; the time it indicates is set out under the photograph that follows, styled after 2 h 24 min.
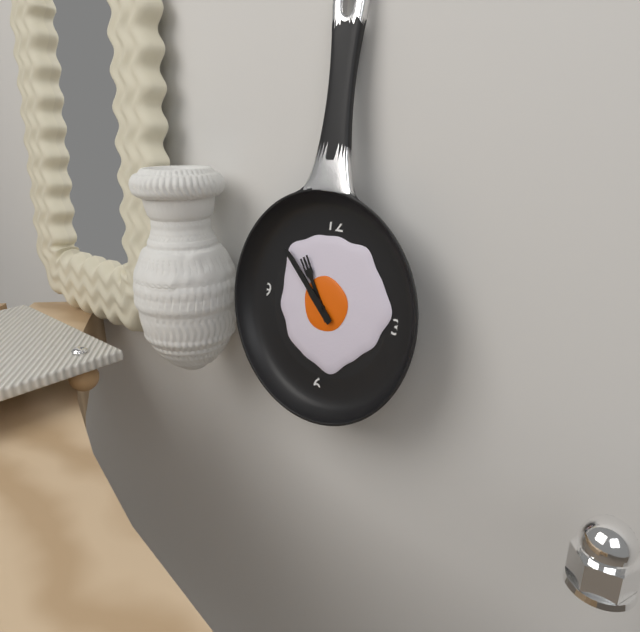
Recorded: 10 h 52 min
